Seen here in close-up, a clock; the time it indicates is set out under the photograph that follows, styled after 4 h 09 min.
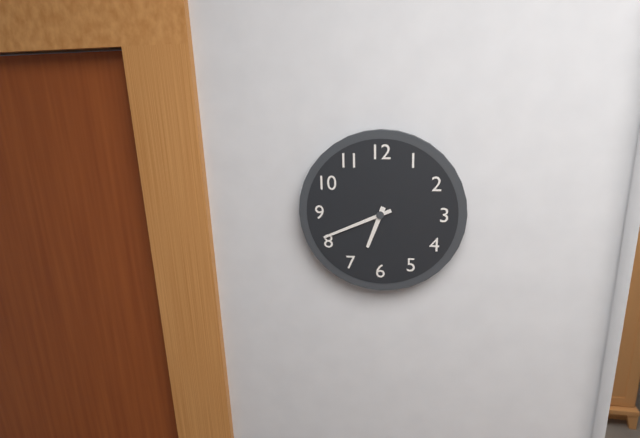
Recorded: 6 h 41 min
